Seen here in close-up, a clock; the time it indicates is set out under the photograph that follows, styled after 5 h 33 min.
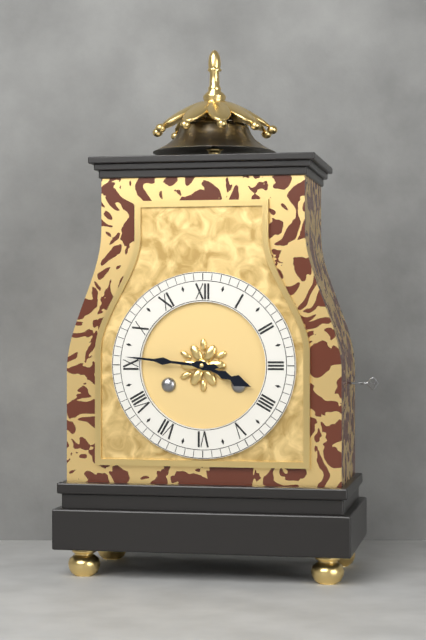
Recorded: 3 h 46 min
